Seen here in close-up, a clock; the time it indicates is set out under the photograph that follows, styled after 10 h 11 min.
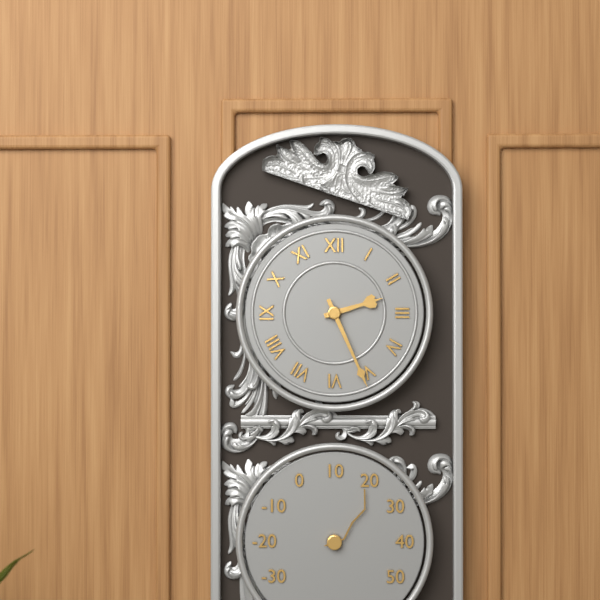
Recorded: 2 h 26 min
